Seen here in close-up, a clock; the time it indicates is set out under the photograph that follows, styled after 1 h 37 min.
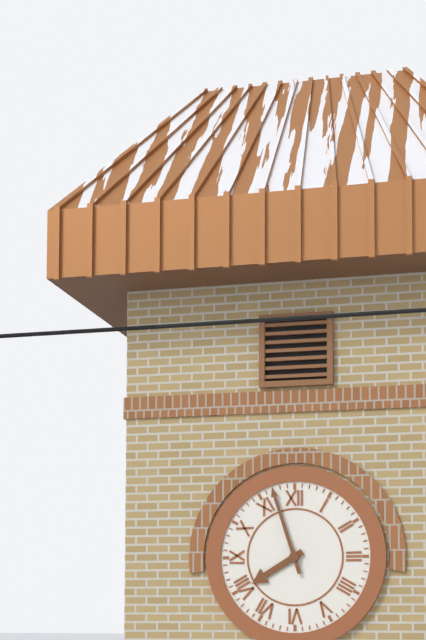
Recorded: 7 h 57 min
